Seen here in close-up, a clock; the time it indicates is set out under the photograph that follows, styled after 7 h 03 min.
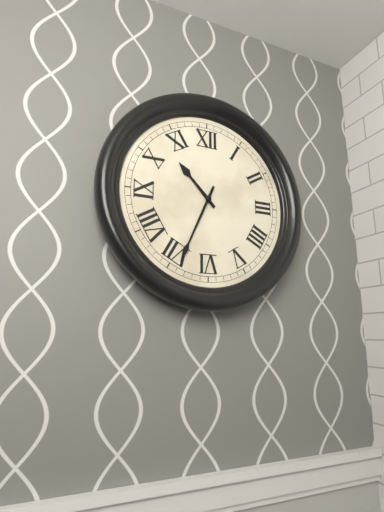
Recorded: 10 h 34 min
